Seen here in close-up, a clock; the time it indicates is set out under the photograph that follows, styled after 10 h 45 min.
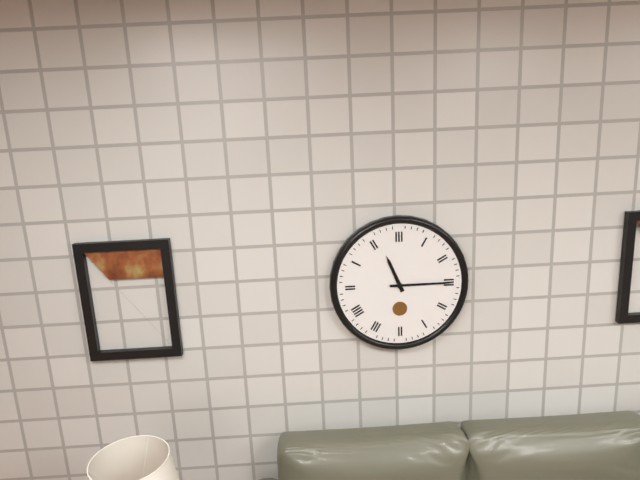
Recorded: 11 h 15 min
